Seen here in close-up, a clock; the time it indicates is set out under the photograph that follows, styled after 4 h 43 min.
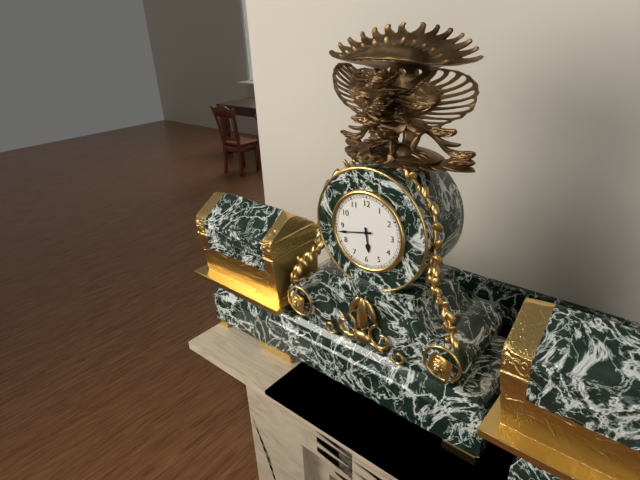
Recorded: 5 h 43 min
